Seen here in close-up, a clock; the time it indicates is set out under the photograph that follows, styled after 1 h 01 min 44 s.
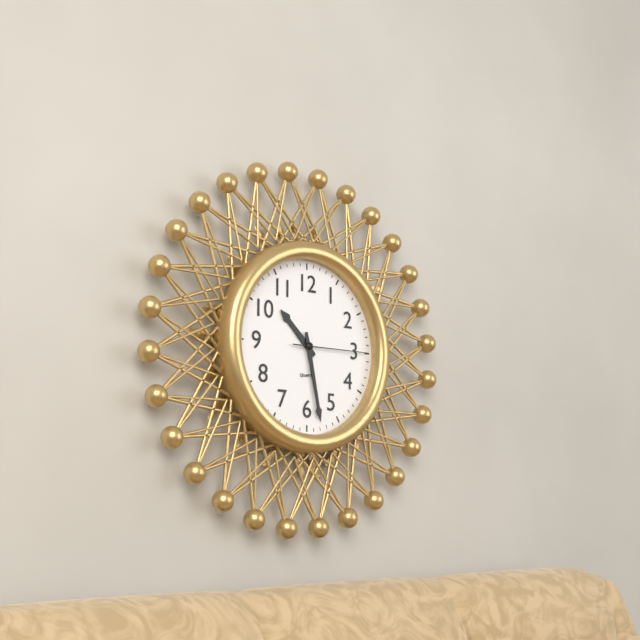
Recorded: 10 h 28 min 15 s
